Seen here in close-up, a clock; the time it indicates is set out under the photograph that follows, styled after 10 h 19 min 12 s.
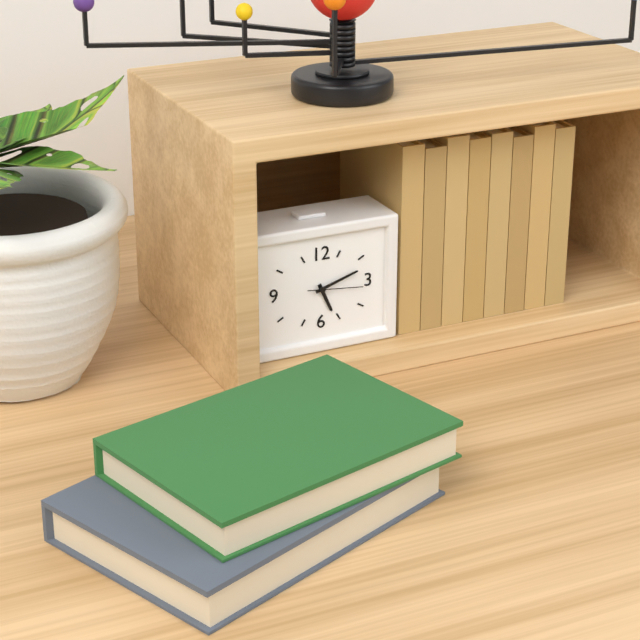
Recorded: 5 h 12 min 16 s
